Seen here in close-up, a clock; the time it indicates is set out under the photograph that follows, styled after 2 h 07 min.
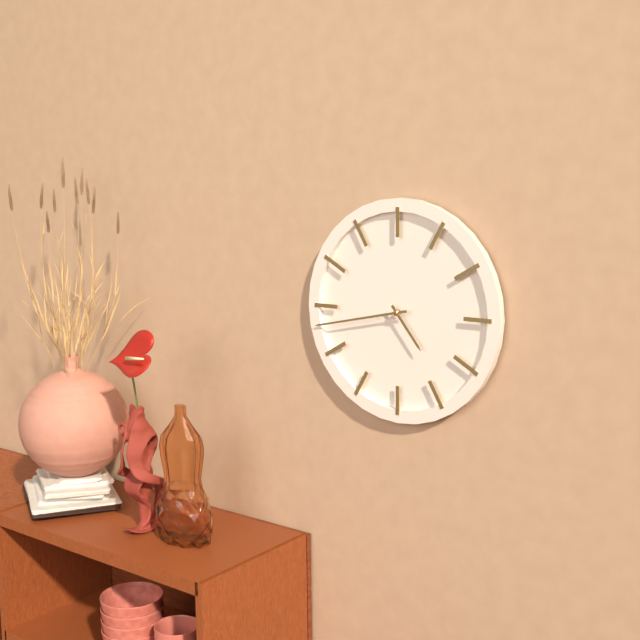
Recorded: 4 h 43 min
